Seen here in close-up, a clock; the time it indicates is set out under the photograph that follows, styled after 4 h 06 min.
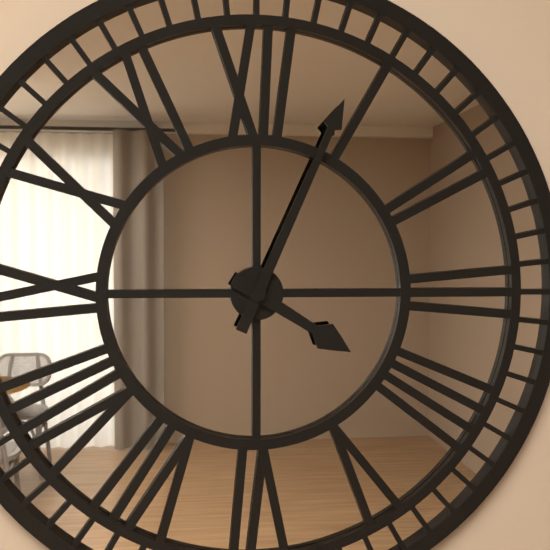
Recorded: 4 h 04 min
